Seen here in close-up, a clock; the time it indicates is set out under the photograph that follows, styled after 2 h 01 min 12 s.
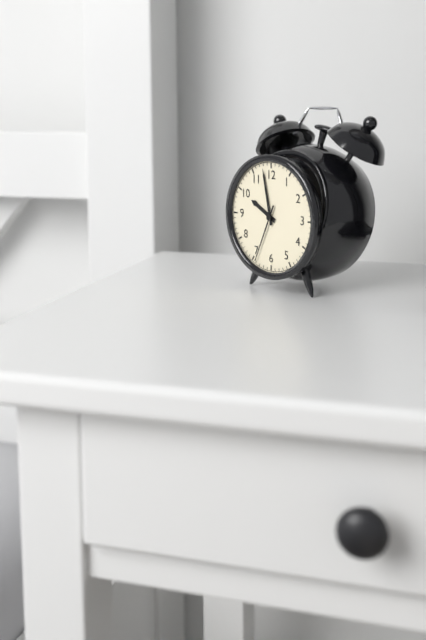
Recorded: 9 h 58 min 34 s
